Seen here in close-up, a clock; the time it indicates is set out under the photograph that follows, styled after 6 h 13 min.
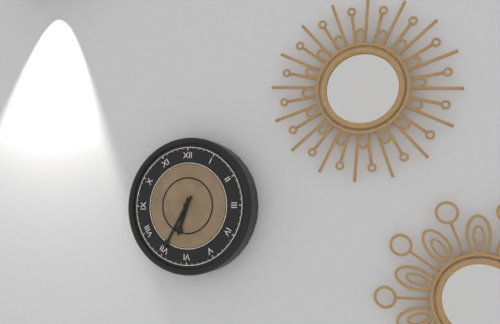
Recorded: 6 h 35 min
